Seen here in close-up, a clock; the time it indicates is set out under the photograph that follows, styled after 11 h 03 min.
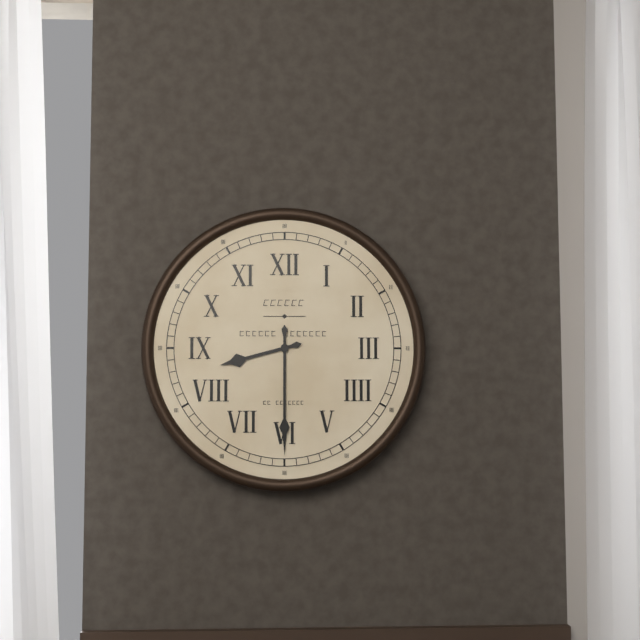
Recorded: 8 h 30 min
